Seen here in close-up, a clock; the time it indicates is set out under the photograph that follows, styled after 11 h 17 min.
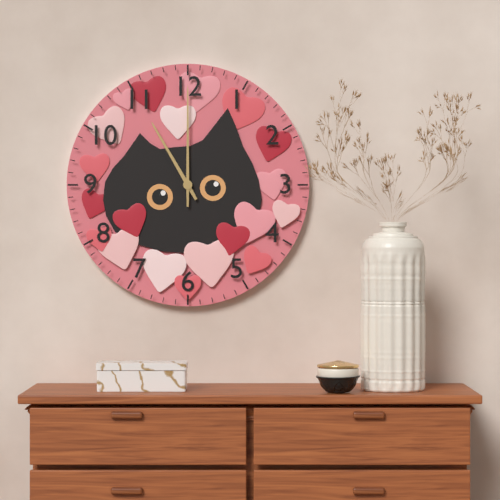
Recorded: 11 h 00 min
